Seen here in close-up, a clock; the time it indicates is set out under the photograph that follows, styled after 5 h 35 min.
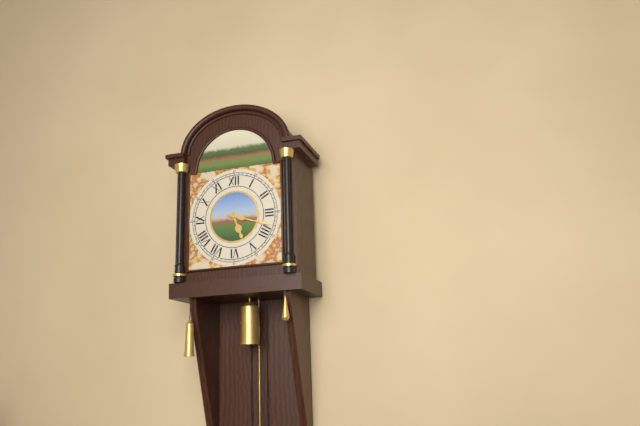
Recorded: 5 h 18 min
